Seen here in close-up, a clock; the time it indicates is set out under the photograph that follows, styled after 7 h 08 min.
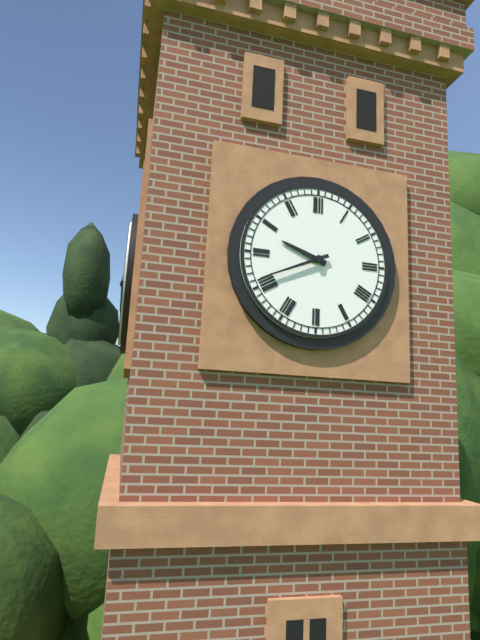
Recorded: 9 h 41 min
